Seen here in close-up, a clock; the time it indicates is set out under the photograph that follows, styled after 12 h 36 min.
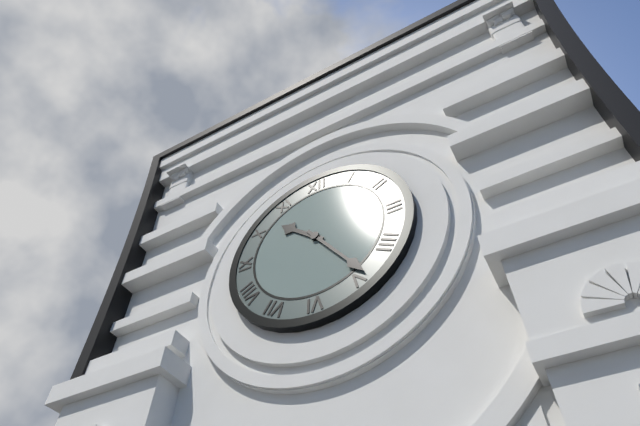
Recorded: 10 h 24 min
